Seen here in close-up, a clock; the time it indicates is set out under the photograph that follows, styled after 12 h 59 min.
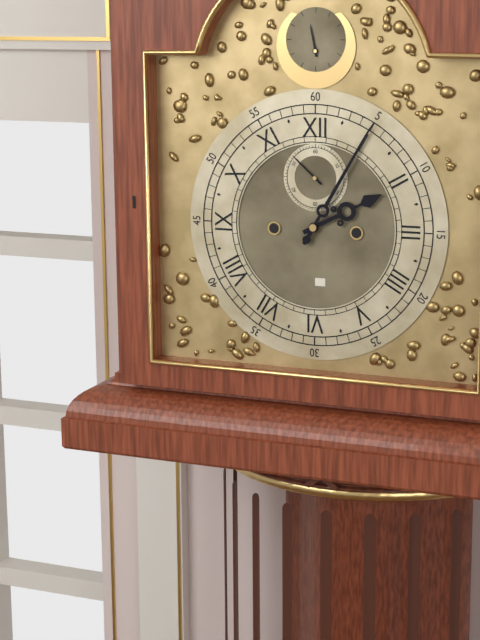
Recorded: 2 h 05 min
